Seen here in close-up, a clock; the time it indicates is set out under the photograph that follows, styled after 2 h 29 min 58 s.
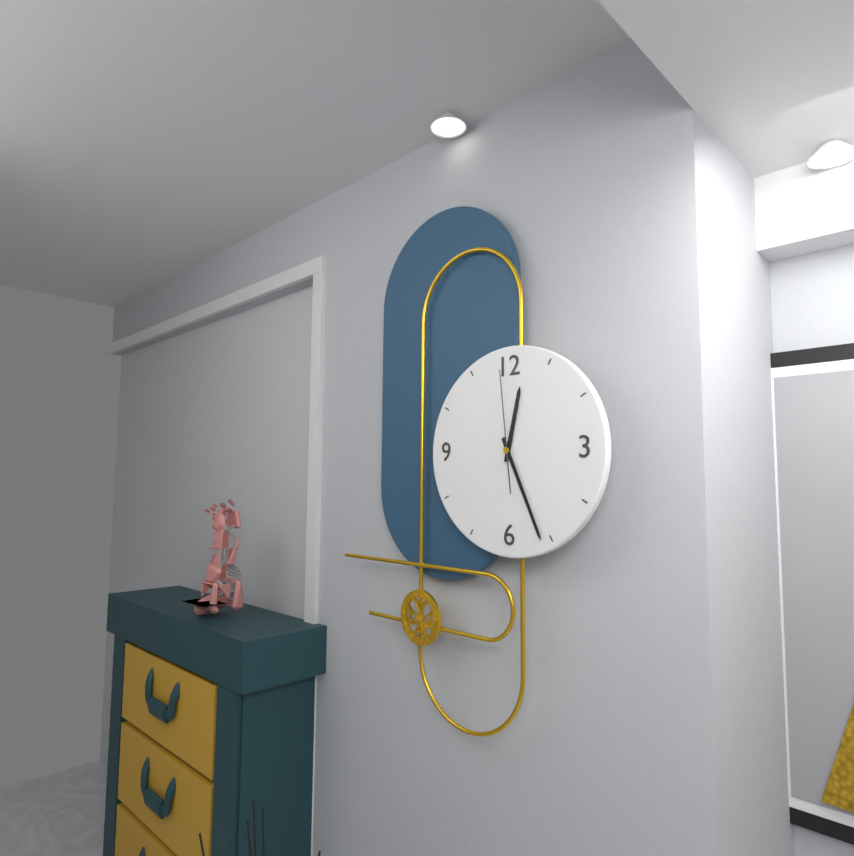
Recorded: 12 h 26 min 59 s
